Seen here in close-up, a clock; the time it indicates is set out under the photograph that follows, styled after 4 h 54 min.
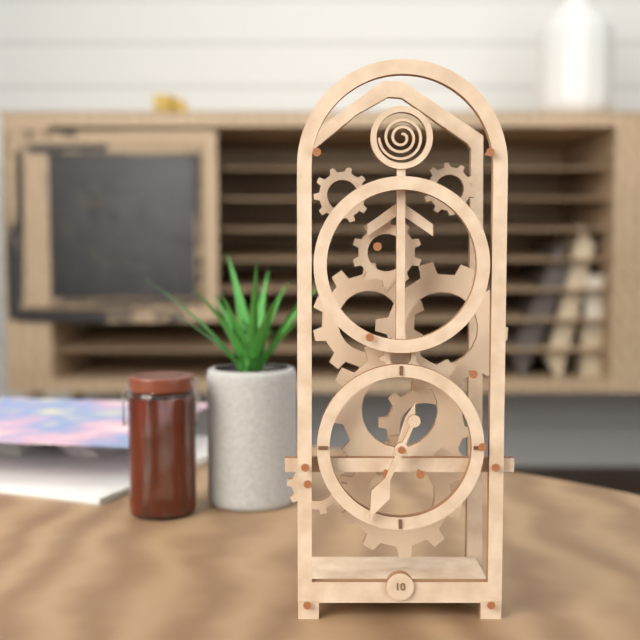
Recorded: 12 h 34 min
